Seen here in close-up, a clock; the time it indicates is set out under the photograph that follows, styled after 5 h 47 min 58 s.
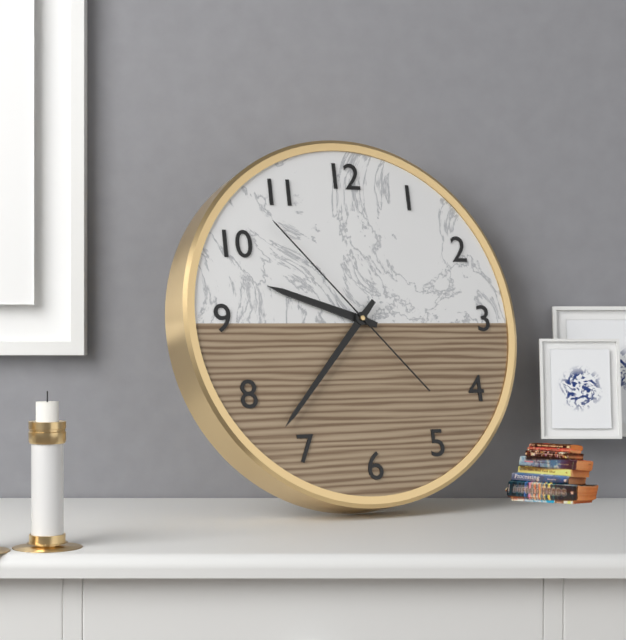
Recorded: 9 h 37 min 53 s
